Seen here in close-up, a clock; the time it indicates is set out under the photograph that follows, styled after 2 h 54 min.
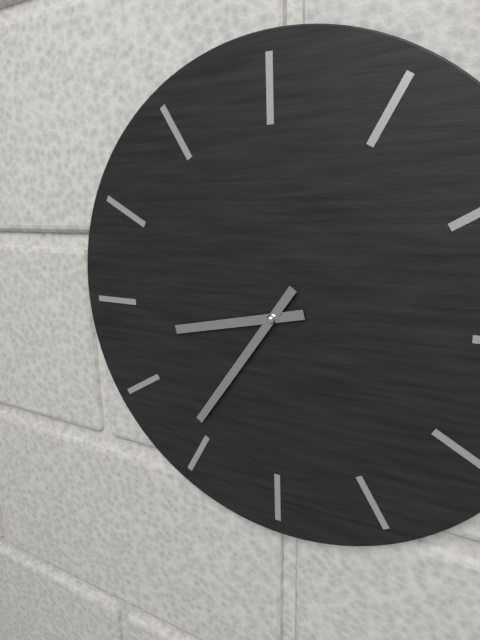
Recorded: 8 h 36 min
